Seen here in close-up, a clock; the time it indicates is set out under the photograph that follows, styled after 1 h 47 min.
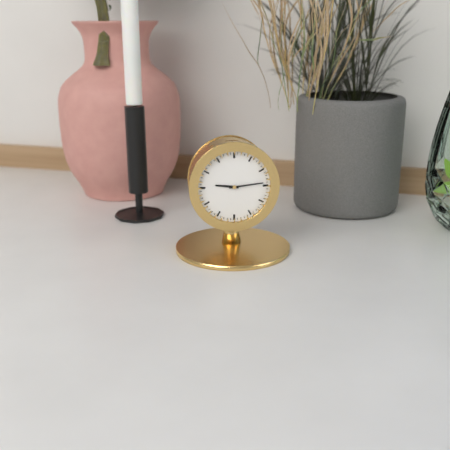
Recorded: 9 h 14 min
